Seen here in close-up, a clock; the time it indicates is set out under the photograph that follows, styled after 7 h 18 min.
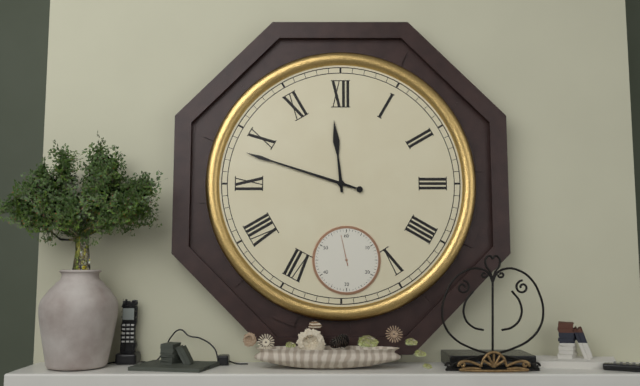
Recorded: 11 h 48 min
